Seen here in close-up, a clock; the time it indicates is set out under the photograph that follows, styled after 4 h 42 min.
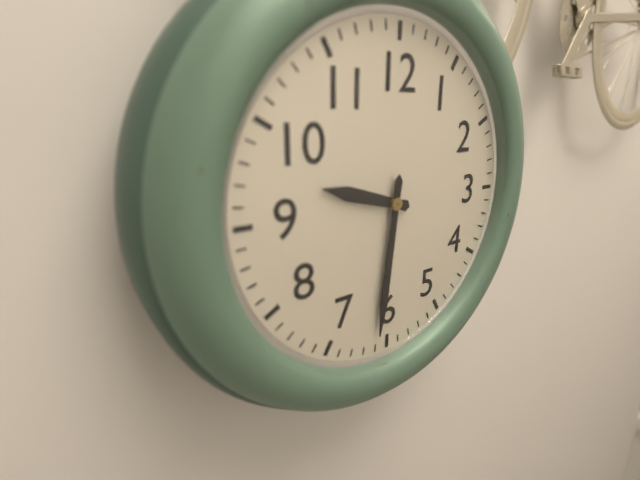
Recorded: 9 h 31 min
